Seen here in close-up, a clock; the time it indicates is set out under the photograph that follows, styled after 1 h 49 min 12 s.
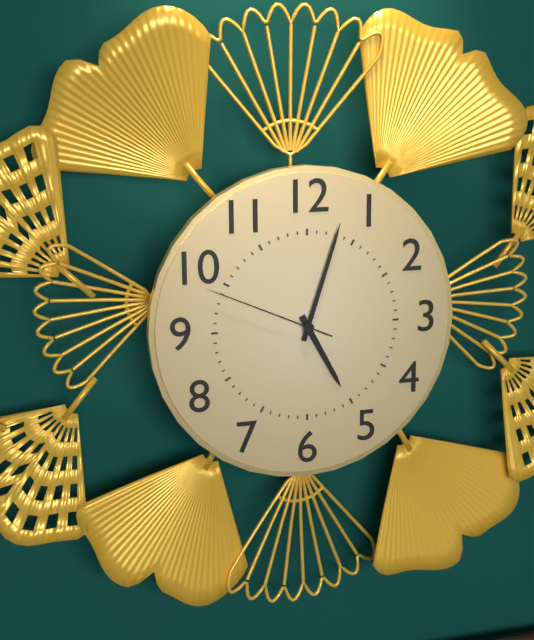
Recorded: 5 h 03 min 49 s
